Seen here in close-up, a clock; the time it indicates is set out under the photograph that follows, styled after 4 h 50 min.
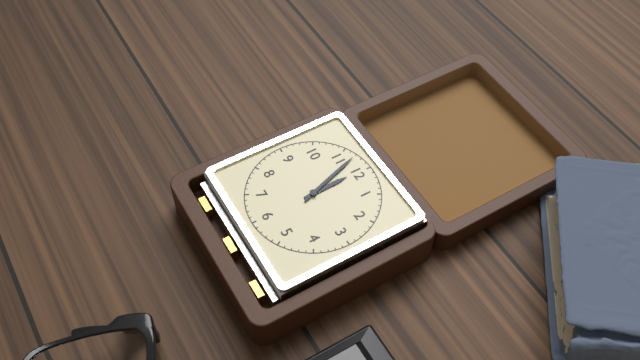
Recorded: 11 h 57 min
